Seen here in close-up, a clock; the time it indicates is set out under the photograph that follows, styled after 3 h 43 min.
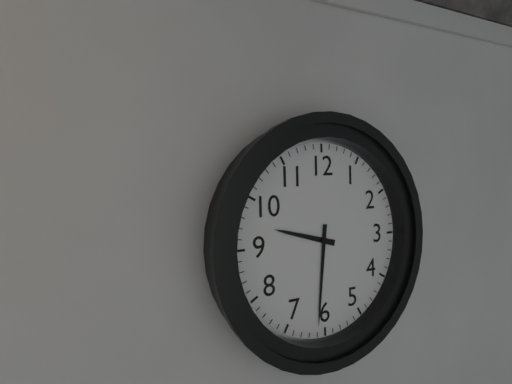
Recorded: 9 h 31 min
